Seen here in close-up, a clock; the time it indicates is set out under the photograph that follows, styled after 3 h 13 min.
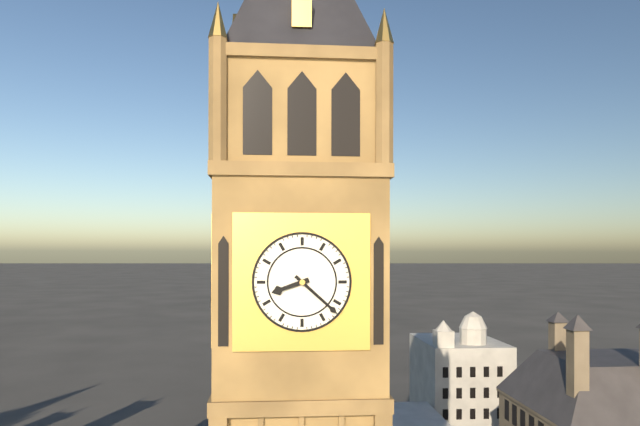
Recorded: 8 h 22 min
